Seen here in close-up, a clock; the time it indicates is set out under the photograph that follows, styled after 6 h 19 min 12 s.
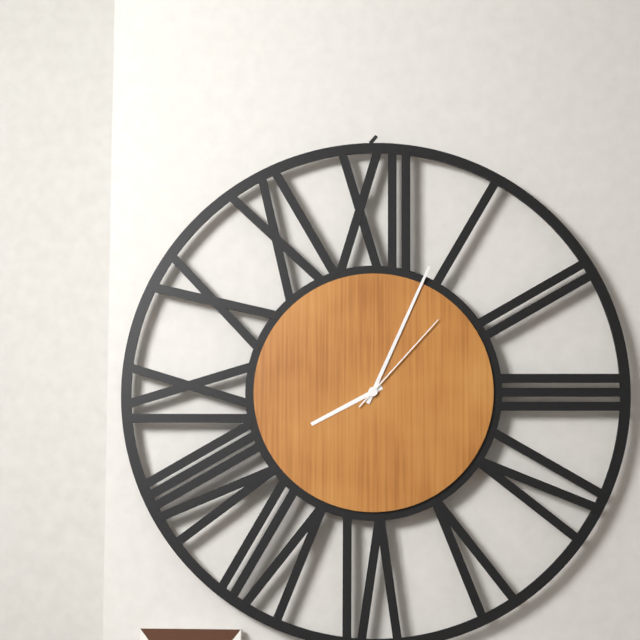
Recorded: 8 h 04 min 07 s
